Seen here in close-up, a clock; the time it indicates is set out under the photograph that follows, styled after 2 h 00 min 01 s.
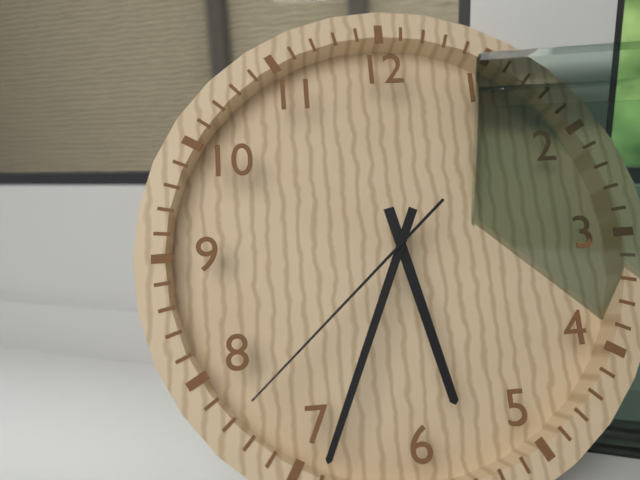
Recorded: 5 h 34 min 38 s
